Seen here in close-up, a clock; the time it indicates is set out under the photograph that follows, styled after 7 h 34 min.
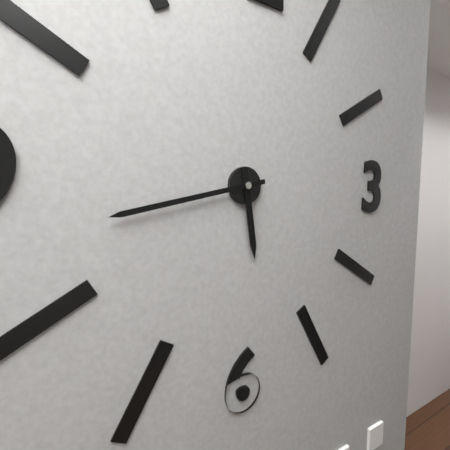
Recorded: 5 h 43 min
